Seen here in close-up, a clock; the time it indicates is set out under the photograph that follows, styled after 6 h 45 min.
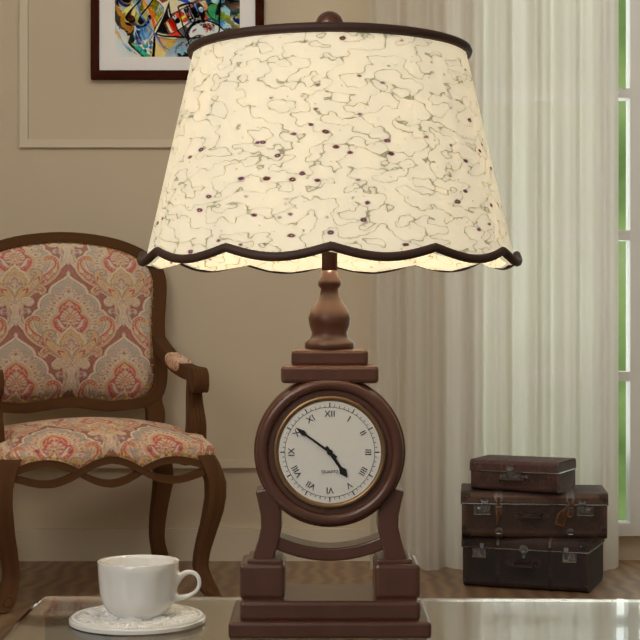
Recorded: 4 h 51 min
